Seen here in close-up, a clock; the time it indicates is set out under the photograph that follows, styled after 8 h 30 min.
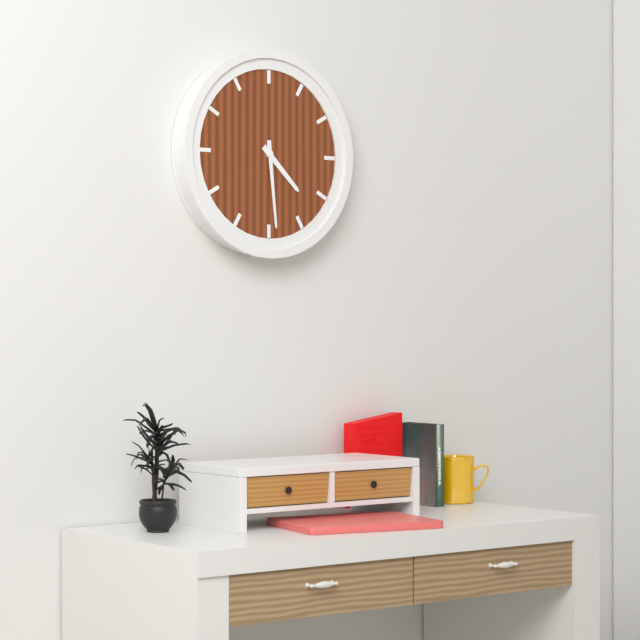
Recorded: 4 h 29 min
